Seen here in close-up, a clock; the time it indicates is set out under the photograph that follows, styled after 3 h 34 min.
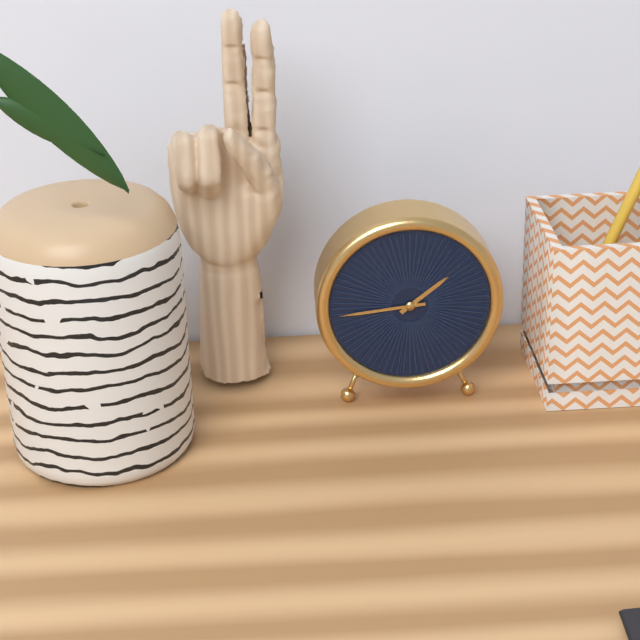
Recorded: 1 h 44 min
